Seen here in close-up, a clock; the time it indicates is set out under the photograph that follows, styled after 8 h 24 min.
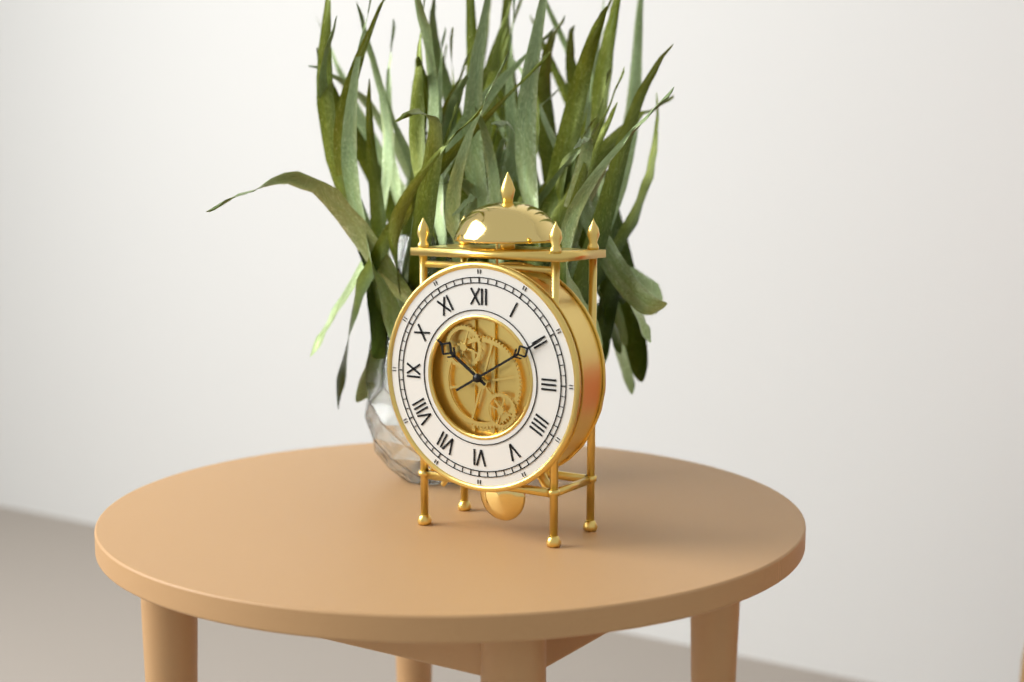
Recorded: 10 h 10 min
